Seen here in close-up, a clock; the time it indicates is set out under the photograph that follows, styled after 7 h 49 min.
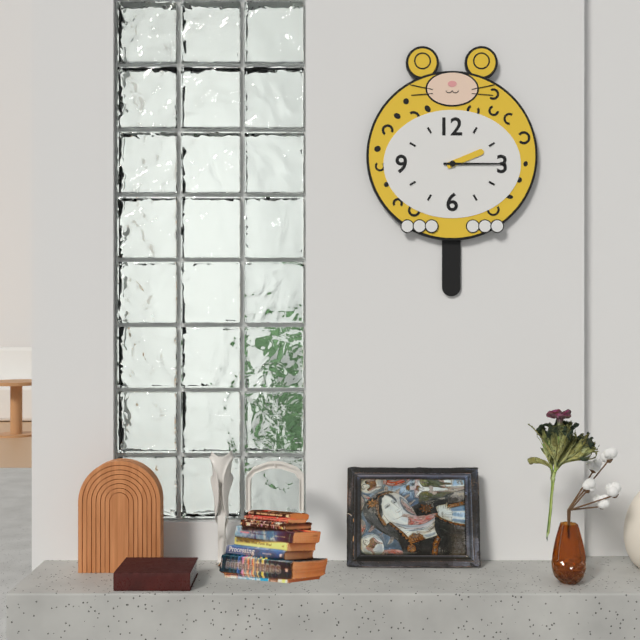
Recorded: 2 h 15 min
